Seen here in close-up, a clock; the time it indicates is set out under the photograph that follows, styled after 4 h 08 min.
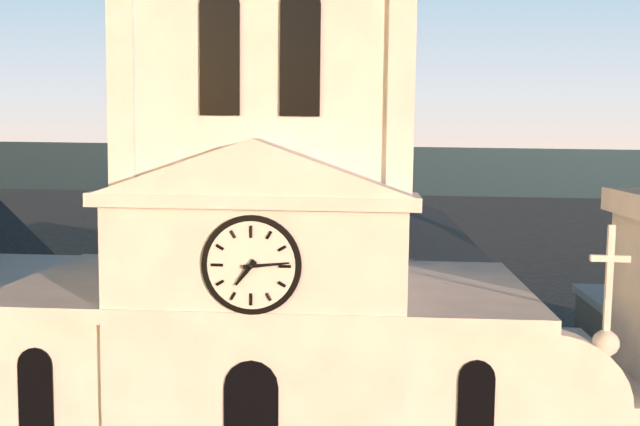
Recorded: 7 h 14 min
